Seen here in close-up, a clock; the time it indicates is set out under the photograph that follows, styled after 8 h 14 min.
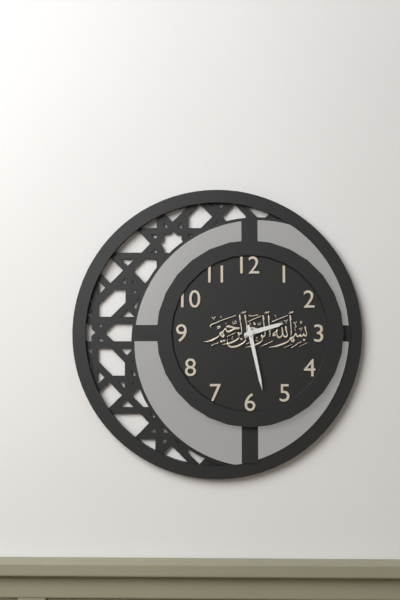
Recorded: 2 h 28 min
